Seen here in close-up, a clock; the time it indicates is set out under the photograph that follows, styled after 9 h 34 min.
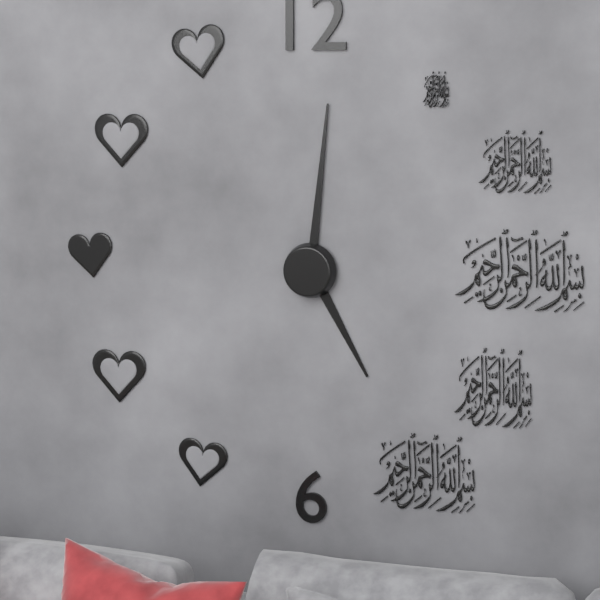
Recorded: 5 h 01 min
